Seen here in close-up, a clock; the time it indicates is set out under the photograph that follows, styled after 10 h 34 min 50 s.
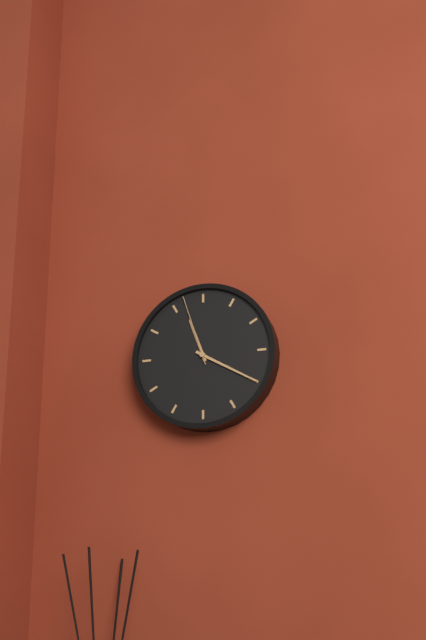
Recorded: 11 h 20 min 57 s
